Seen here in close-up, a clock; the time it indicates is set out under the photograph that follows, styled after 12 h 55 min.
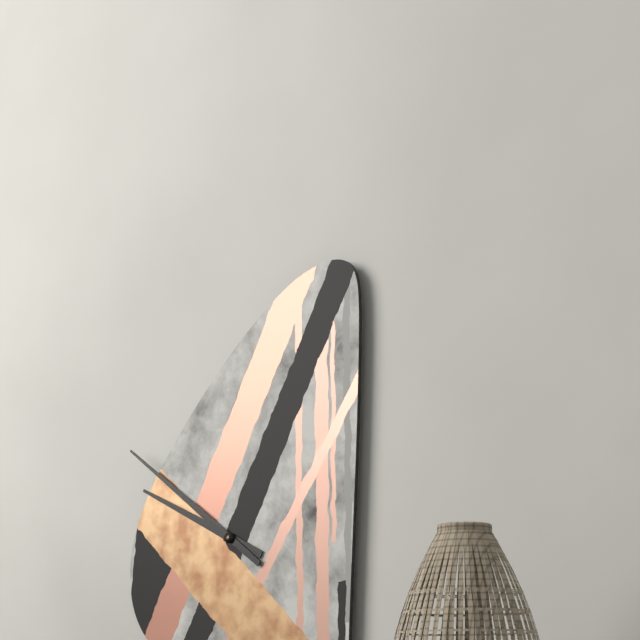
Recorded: 9 h 51 min
